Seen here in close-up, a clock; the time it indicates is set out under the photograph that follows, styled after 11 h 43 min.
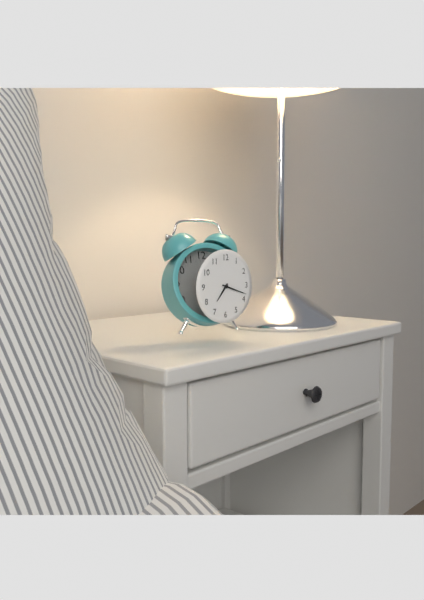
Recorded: 7 h 18 min
